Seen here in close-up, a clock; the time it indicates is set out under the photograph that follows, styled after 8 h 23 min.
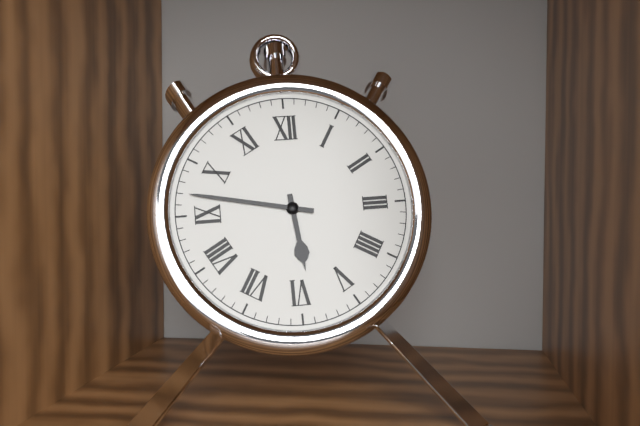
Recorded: 5 h 47 min
